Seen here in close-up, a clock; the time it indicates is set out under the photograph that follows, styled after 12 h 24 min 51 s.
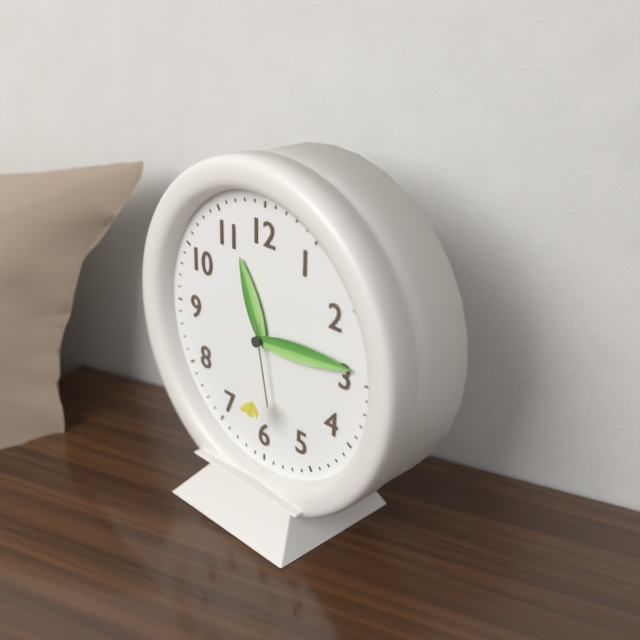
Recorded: 11 h 14 min 28 s
